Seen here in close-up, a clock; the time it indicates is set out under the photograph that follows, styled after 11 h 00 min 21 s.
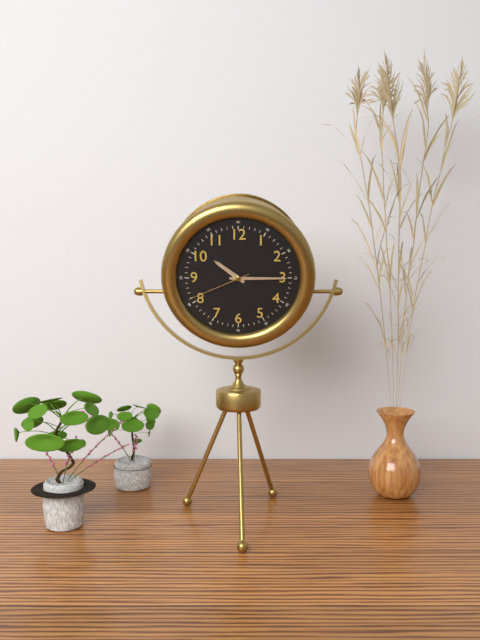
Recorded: 10 h 15 min 41 s
